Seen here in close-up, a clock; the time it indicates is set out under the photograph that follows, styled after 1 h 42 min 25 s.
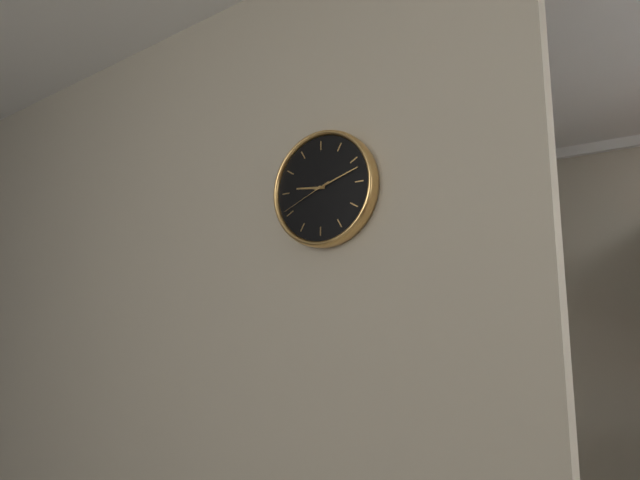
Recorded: 9 h 12 min 41 s
